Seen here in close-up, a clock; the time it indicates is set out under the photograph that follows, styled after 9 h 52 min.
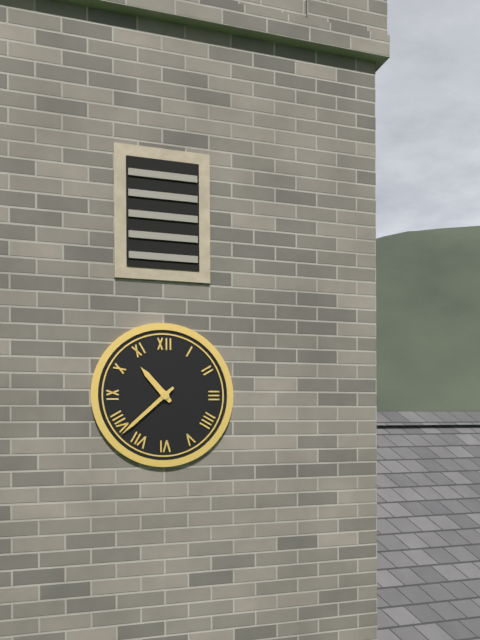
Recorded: 10 h 38 min
